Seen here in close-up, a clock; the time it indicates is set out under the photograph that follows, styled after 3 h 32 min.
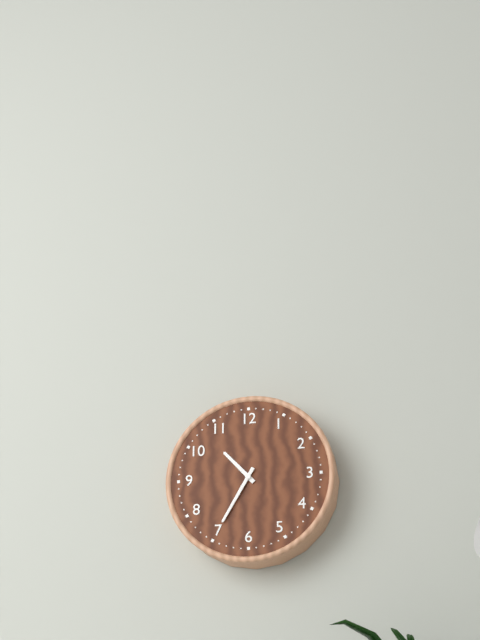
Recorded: 10 h 35 min
